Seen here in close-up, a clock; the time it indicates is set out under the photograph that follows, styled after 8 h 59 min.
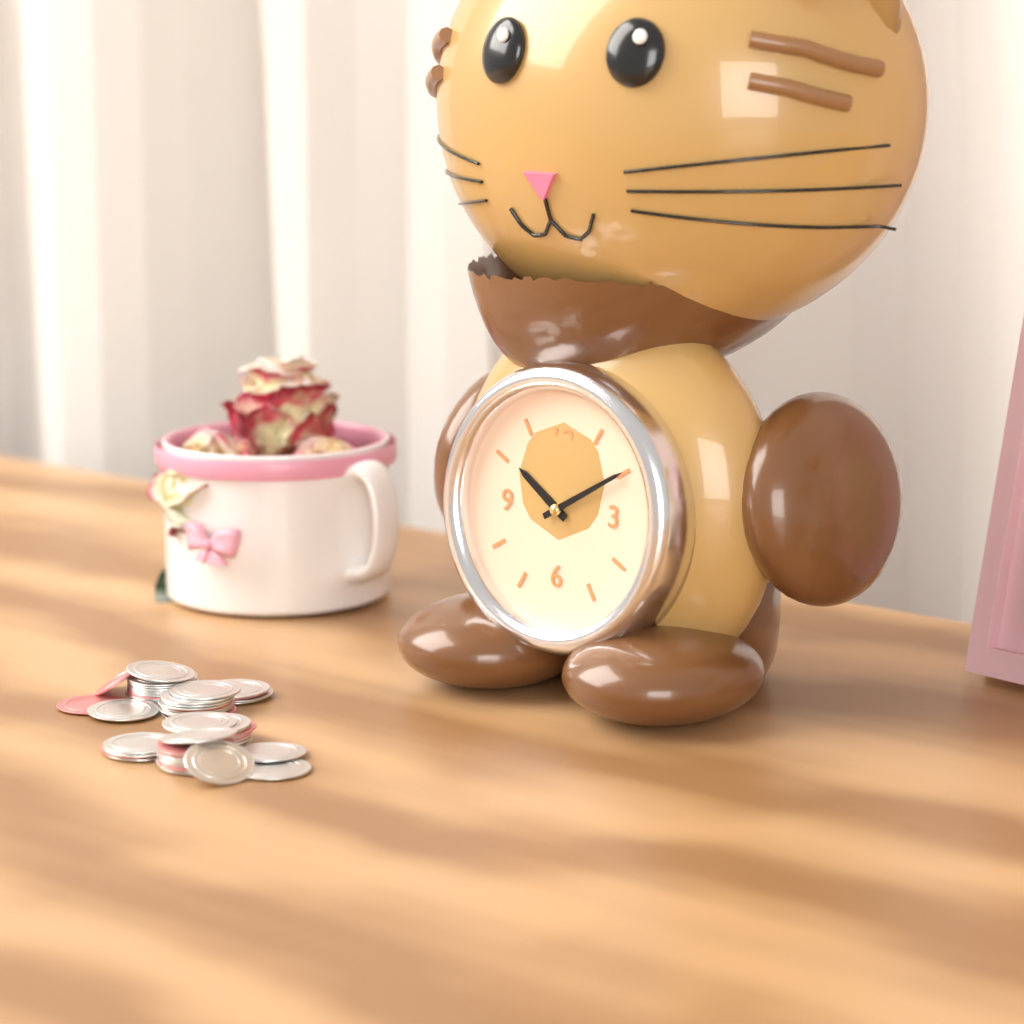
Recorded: 10 h 10 min
